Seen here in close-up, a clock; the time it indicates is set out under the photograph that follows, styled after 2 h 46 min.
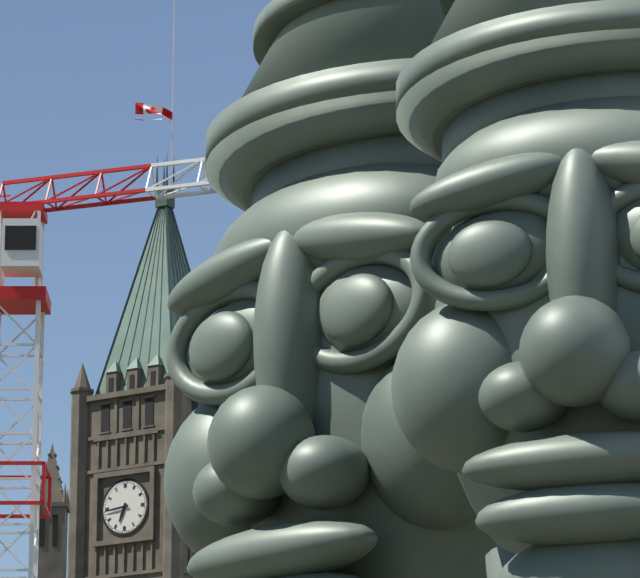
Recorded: 6 h 44 min
